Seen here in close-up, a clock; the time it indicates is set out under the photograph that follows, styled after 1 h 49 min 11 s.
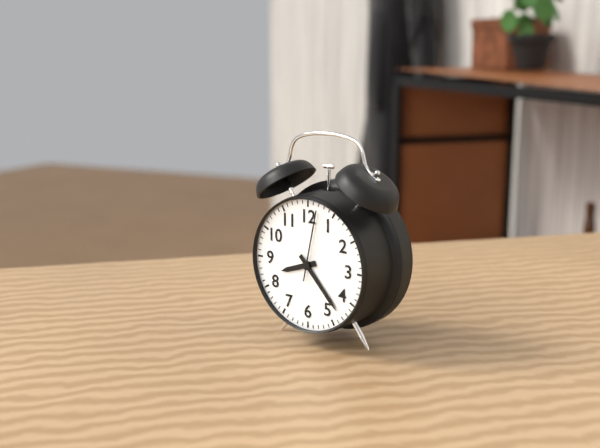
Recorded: 8 h 23 min 02 s
